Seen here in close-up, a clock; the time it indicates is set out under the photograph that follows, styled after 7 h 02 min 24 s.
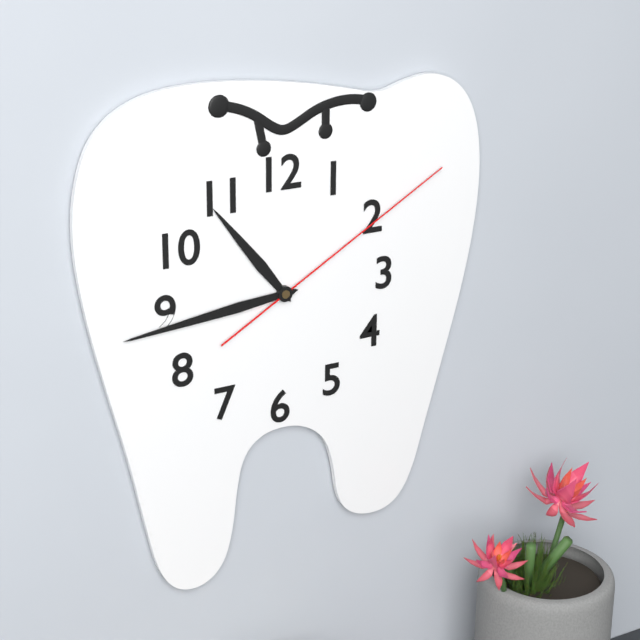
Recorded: 10 h 44 min 10 s
